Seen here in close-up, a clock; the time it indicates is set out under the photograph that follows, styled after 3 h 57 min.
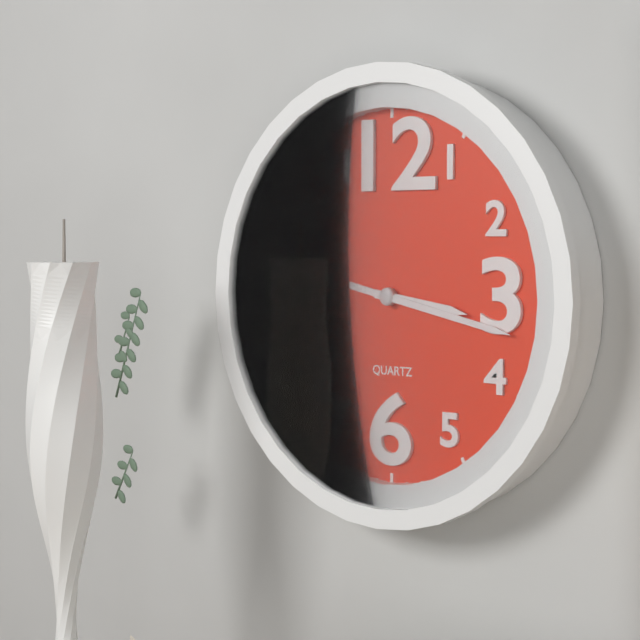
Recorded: 3 h 17 min
